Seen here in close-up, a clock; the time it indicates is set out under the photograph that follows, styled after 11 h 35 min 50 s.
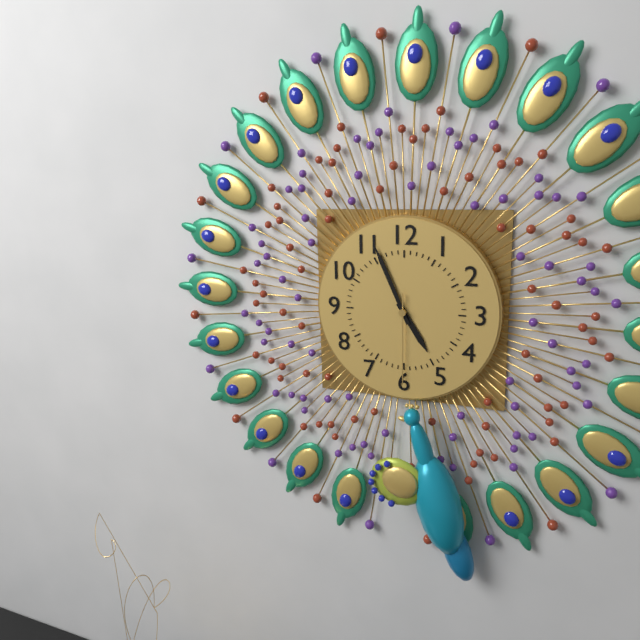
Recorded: 4 h 56 min 30 s
